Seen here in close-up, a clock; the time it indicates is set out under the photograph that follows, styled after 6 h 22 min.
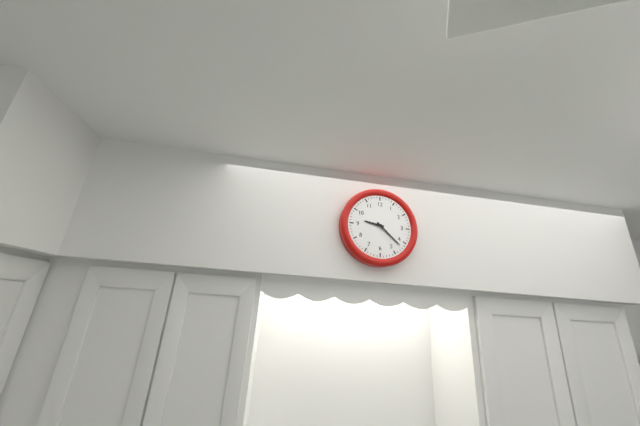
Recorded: 9 h 22 min
